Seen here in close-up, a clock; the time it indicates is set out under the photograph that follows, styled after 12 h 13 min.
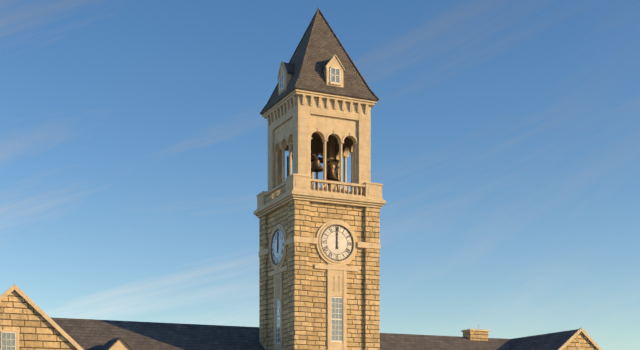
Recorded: 12 h 00 min
